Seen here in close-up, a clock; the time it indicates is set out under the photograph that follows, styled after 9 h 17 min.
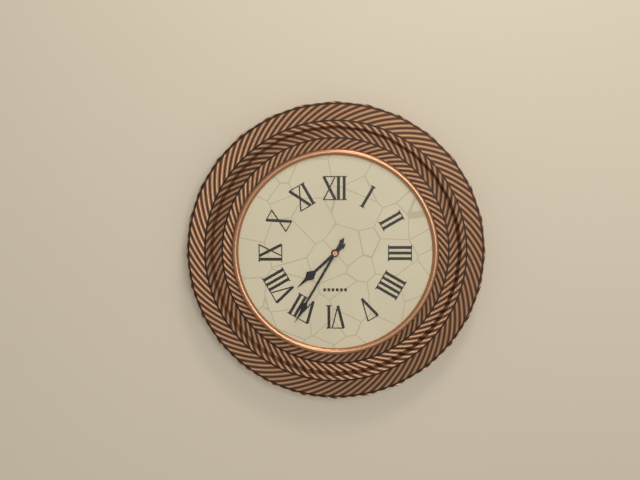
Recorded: 7 h 35 min
